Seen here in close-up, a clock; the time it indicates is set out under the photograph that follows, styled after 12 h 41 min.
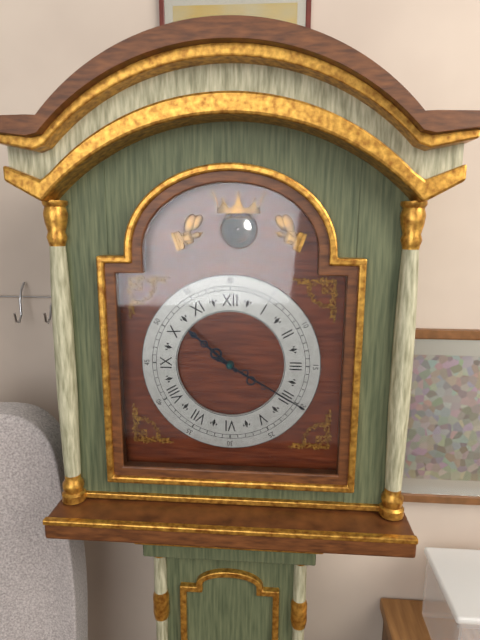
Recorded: 10 h 20 min
